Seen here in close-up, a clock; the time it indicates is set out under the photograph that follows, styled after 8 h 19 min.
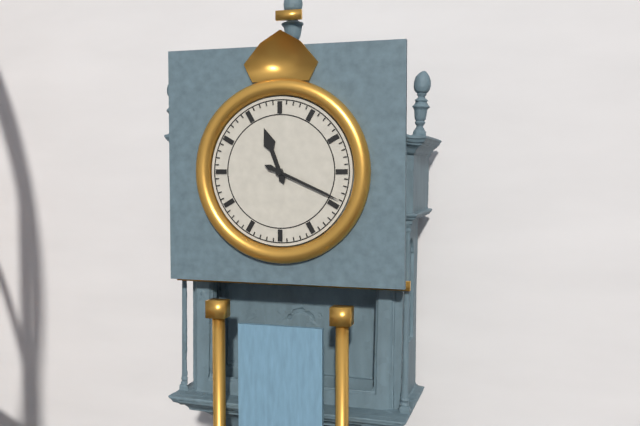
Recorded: 11 h 19 min
